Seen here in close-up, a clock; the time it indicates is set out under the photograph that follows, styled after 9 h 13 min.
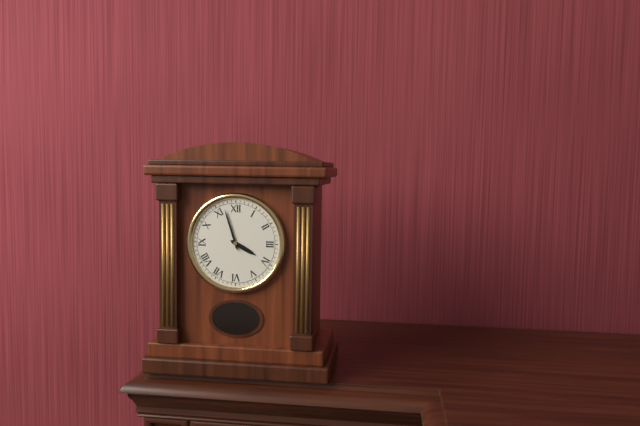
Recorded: 3 h 57 min
